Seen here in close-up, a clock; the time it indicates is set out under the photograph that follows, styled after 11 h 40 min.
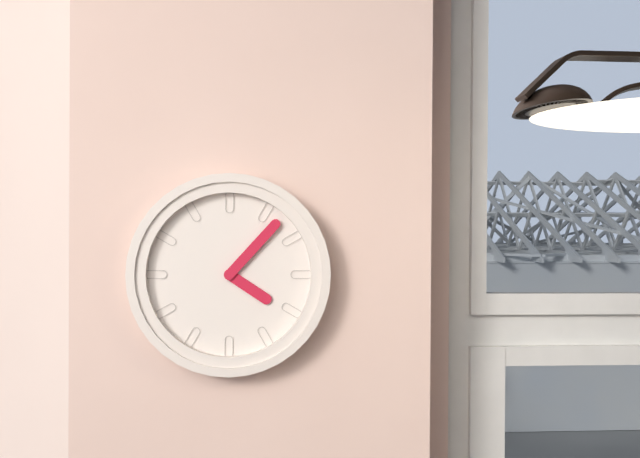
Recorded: 4 h 07 min
